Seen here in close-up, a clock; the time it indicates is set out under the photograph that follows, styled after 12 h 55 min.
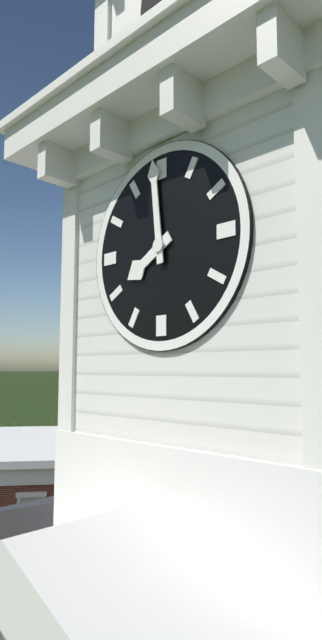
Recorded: 7 h 59 min
